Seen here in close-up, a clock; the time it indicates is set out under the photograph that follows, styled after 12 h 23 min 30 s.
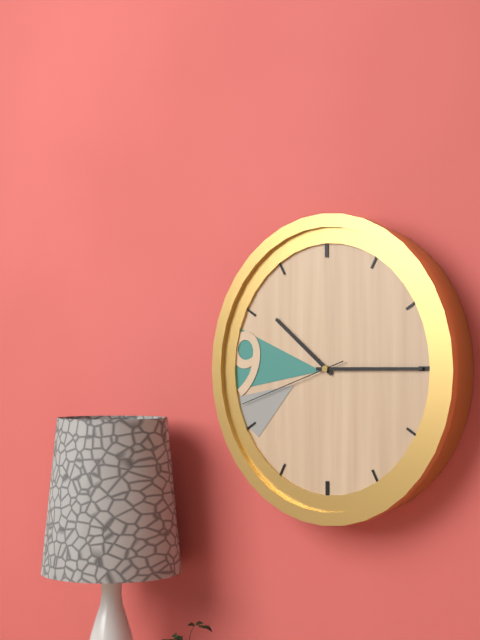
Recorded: 10 h 15 min 42 s
